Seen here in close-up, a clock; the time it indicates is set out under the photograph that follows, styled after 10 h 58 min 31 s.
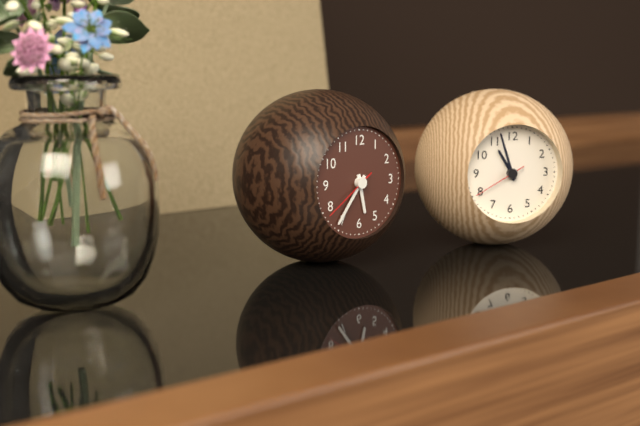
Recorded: 5 h 36 min 39 s
